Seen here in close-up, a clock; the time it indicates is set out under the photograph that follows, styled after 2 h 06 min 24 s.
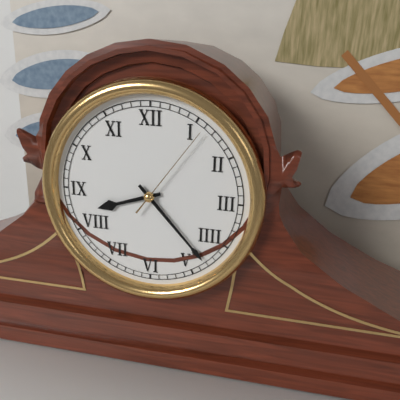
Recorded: 8 h 23 min 06 s
